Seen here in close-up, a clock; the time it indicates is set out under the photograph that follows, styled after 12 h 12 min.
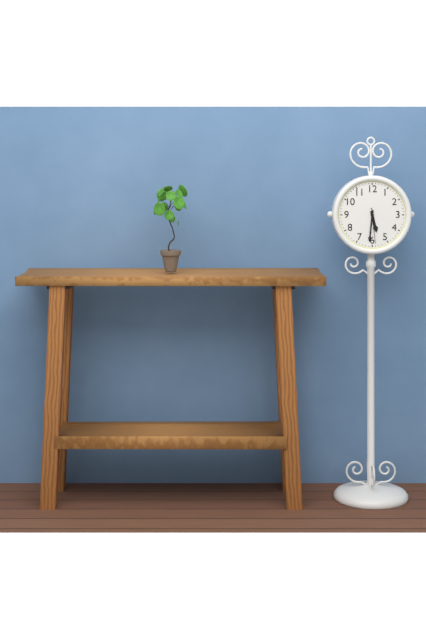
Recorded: 5 h 31 min
